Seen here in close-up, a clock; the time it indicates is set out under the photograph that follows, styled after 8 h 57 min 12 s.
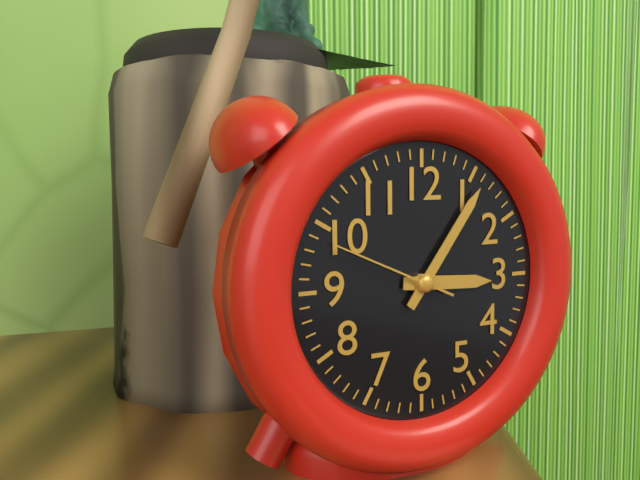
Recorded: 3 h 06 min 49 s
